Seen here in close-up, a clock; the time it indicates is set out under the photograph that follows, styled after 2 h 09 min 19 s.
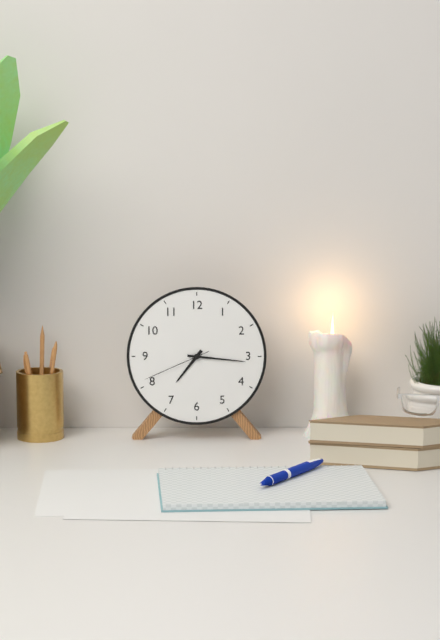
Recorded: 7 h 16 min 41 s
